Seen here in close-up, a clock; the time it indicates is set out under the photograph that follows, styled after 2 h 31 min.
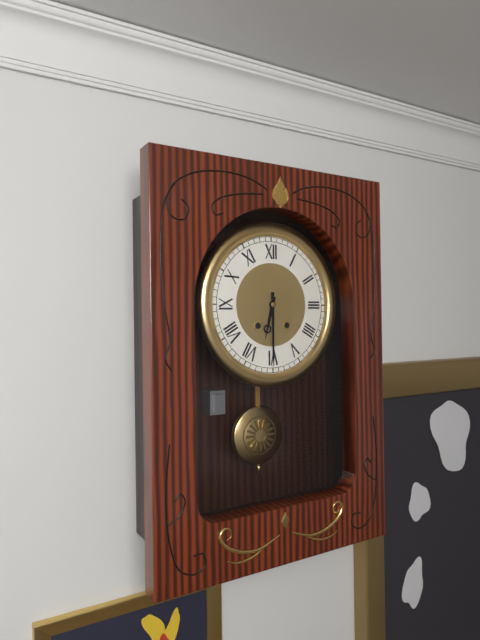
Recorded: 6 h 30 min
